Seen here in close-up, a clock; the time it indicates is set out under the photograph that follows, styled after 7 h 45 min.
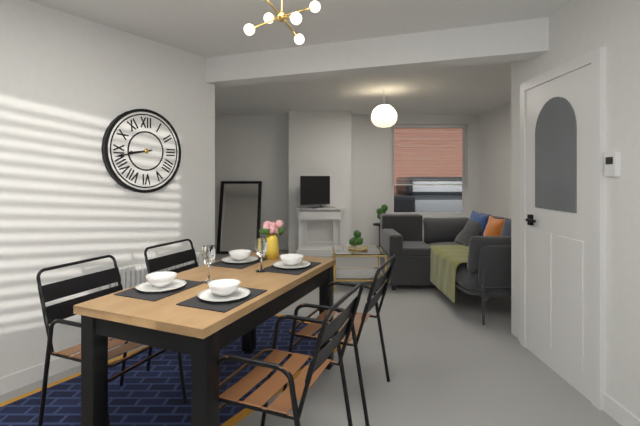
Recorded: 8 h 43 min
